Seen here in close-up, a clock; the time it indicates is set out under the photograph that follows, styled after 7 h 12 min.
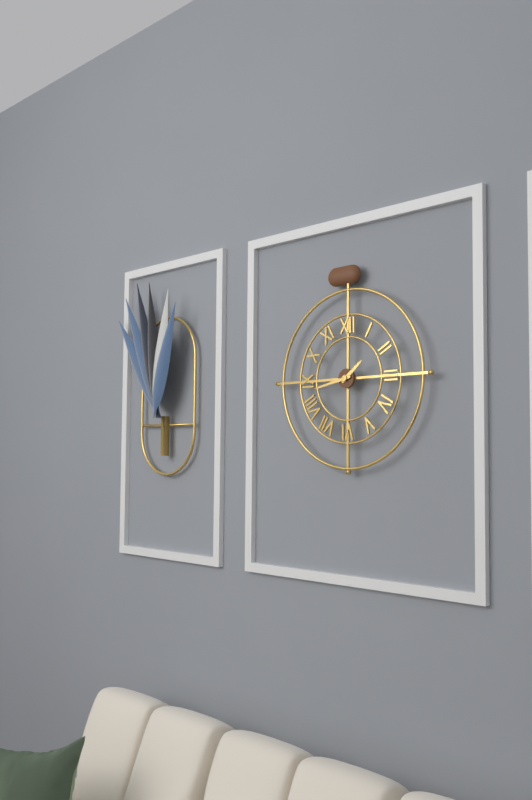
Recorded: 1 h 43 min
